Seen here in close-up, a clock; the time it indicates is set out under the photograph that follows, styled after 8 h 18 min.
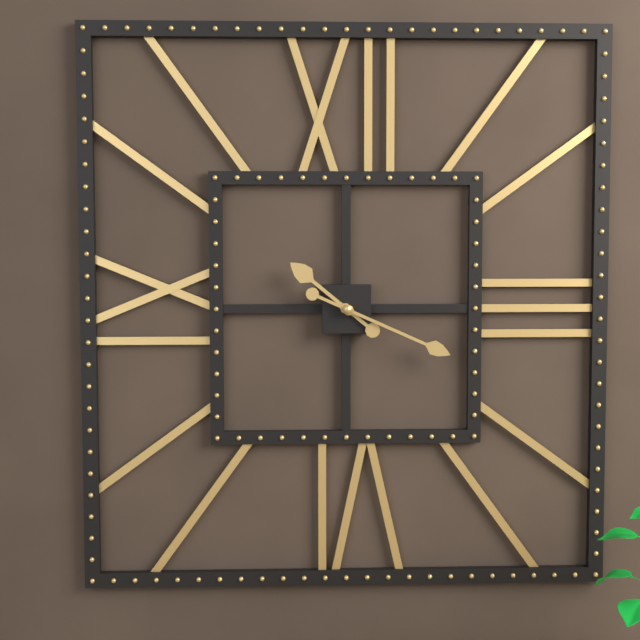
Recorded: 10 h 19 min
